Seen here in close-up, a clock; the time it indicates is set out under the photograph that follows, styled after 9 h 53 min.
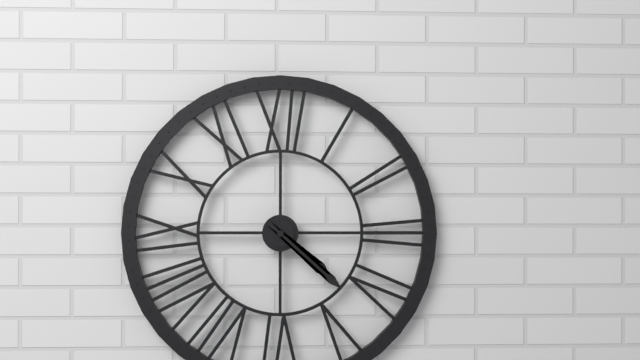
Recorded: 4 h 22 min
